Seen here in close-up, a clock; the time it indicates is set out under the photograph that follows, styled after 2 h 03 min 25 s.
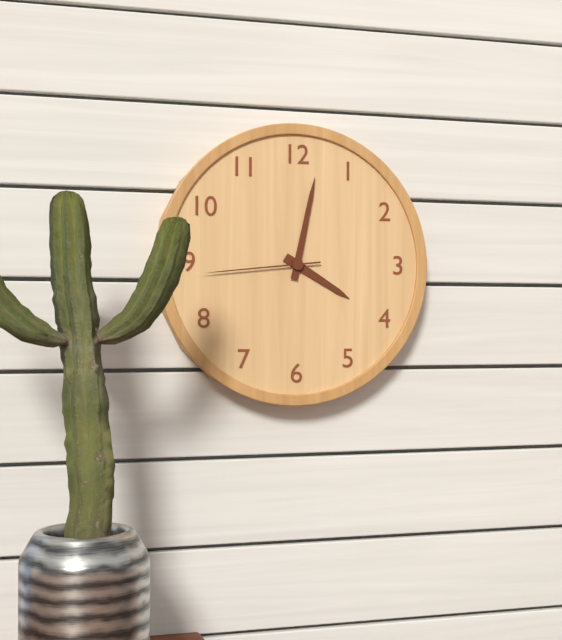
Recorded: 4 h 02 min 44 s
